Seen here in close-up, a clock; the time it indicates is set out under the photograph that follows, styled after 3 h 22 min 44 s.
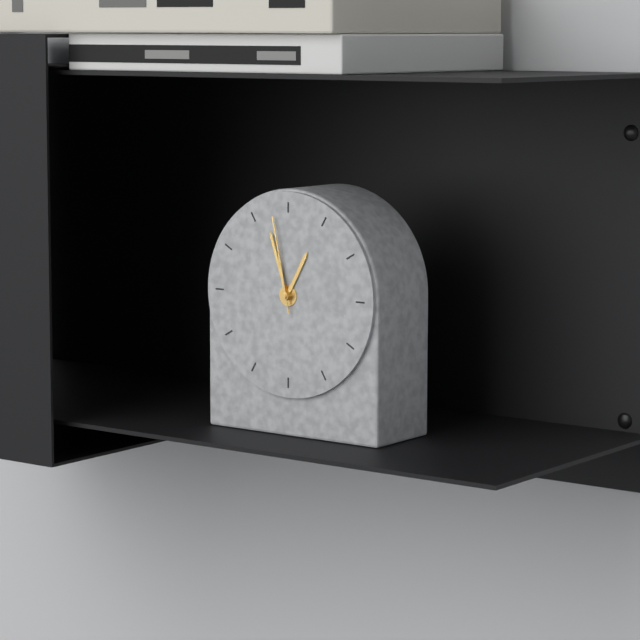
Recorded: 12 h 57 min 58 s
